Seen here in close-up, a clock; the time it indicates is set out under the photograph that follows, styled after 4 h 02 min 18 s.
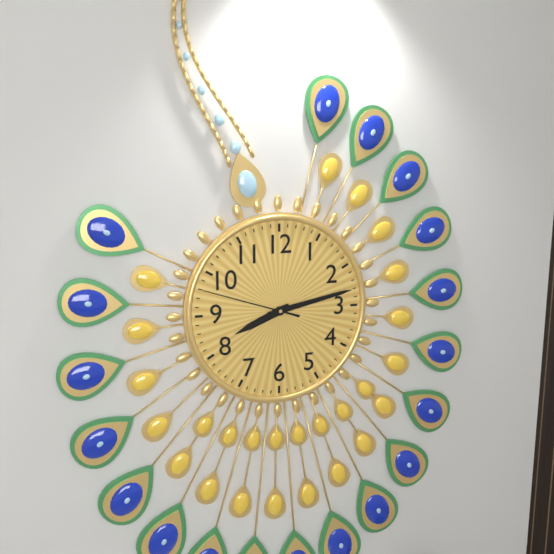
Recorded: 8 h 13 min 48 s
